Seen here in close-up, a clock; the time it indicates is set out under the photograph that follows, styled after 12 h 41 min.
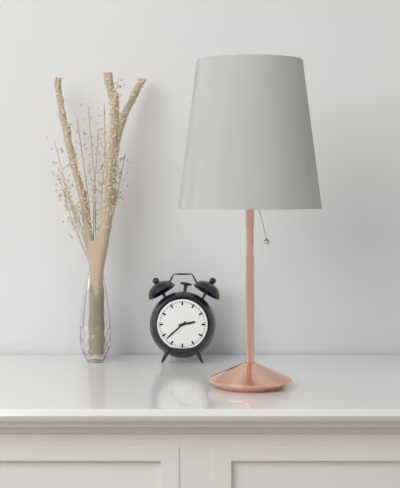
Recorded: 2 h 38 min
